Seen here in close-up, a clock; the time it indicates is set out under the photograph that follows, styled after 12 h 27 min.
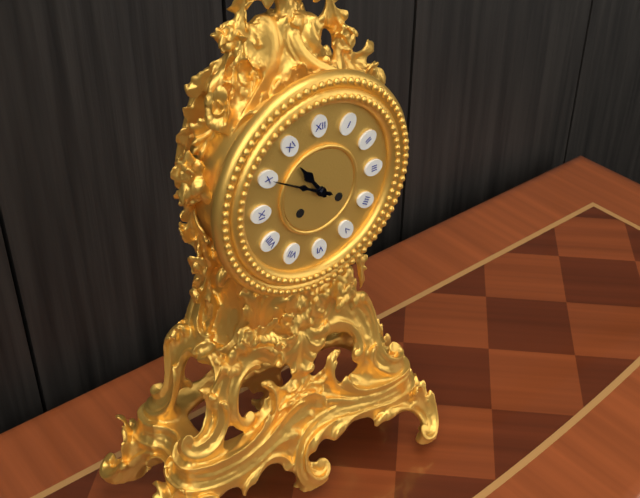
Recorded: 10 h 50 min
